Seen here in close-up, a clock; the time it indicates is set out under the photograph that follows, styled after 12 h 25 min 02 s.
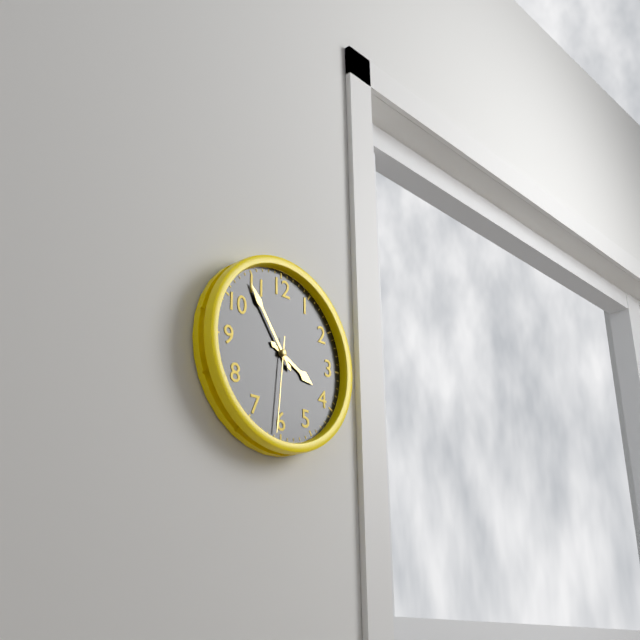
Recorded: 3 h 54 min 31 s
